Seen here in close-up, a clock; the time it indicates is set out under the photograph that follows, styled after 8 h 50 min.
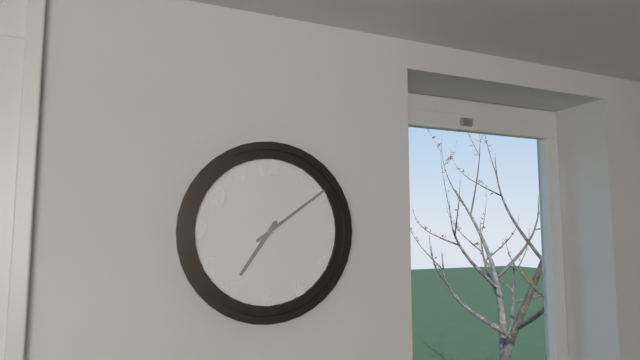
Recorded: 7 h 09 min
